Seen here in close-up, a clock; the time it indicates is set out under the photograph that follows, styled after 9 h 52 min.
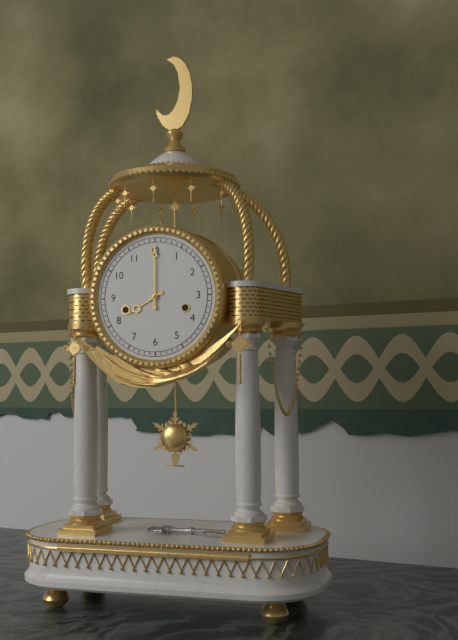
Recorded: 8 h 00 min
